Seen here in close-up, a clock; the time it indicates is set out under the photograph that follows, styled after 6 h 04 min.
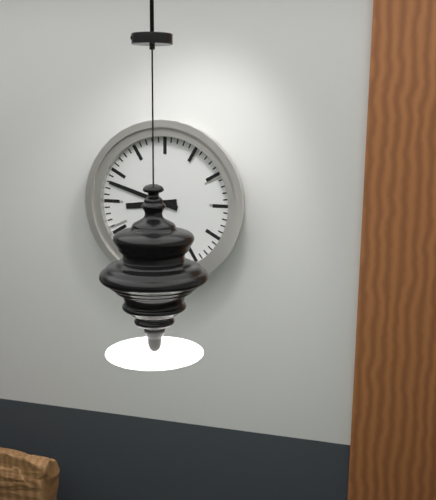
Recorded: 8 h 48 min
